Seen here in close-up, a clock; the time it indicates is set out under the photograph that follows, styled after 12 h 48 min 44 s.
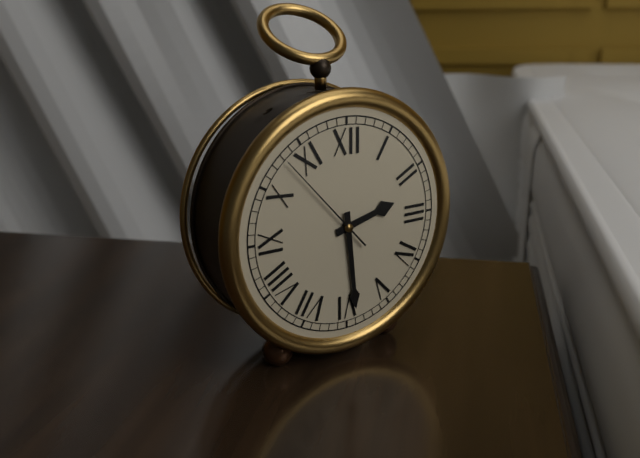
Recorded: 2 h 29 min 53 s
